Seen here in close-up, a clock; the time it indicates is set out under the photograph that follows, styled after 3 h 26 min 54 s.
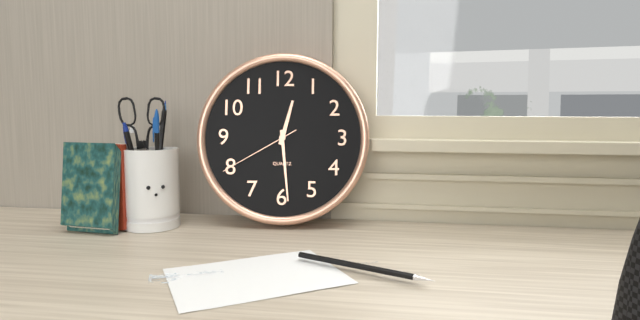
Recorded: 12 h 29 min 40 s
